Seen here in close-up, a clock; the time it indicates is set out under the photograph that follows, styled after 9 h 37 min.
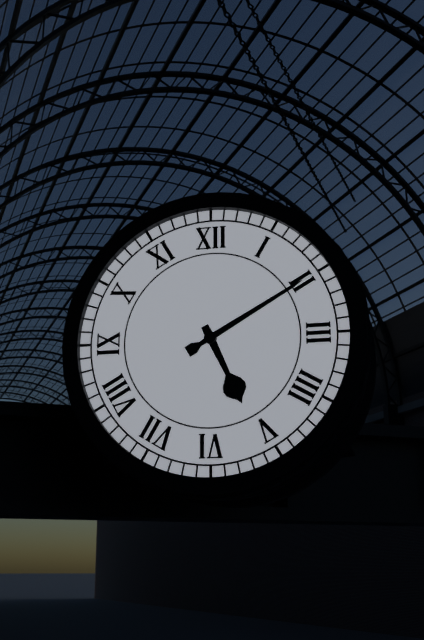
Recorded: 5 h 10 min
